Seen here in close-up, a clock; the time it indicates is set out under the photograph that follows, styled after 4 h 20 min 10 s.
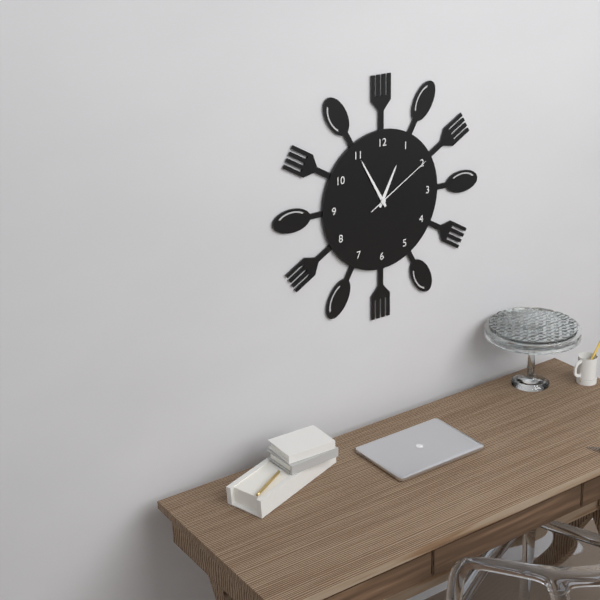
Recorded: 12 h 55 min 10 s
